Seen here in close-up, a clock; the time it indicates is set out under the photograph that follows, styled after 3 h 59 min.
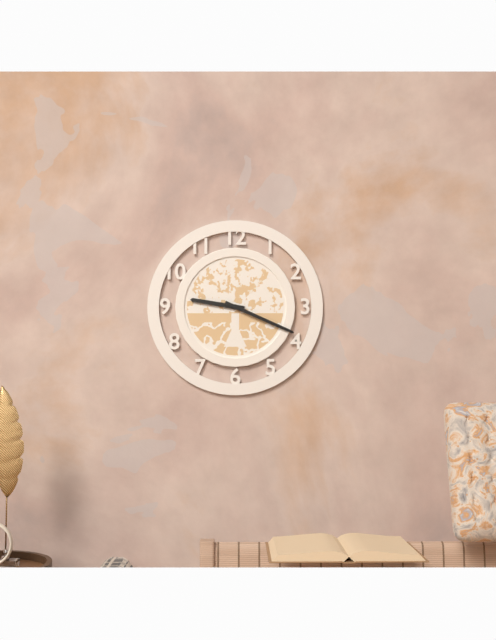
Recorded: 9 h 19 min
